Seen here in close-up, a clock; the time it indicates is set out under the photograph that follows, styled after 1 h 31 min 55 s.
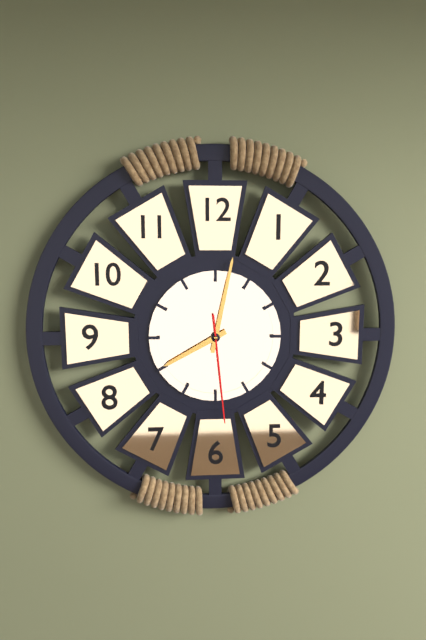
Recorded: 8 h 02 min 29 s
